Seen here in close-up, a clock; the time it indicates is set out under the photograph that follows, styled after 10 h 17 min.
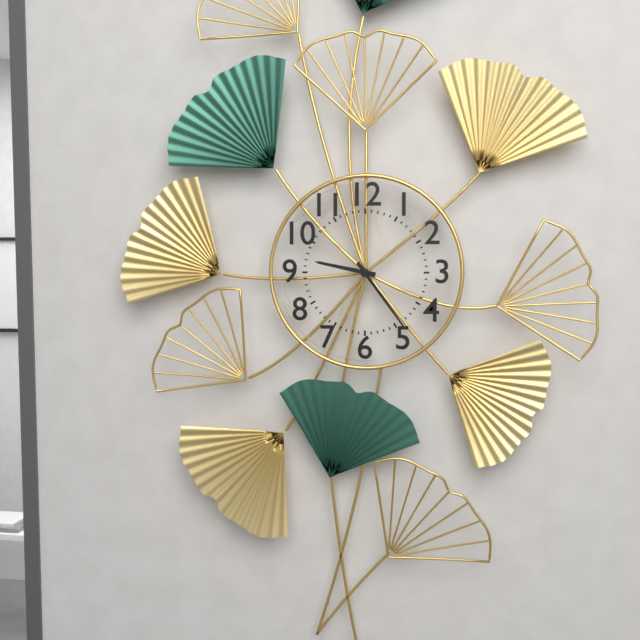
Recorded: 9 h 24 min
